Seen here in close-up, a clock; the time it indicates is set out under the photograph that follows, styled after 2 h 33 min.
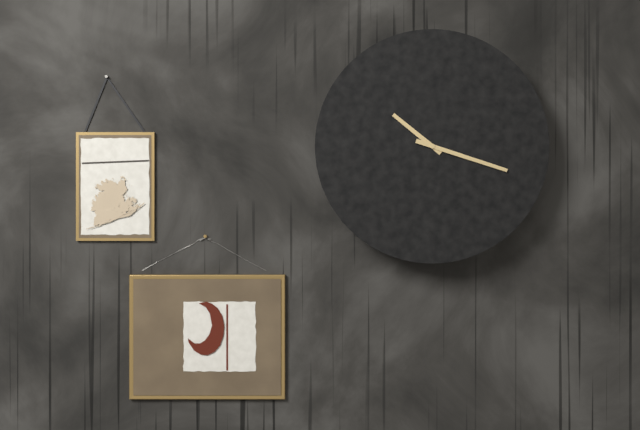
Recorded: 10 h 18 min
